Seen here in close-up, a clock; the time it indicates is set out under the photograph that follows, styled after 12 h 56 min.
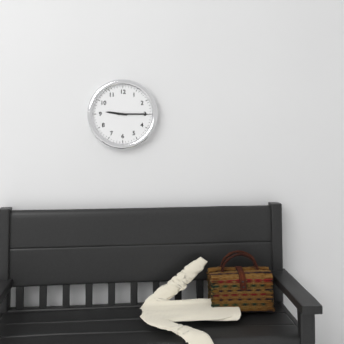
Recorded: 9 h 15 min
